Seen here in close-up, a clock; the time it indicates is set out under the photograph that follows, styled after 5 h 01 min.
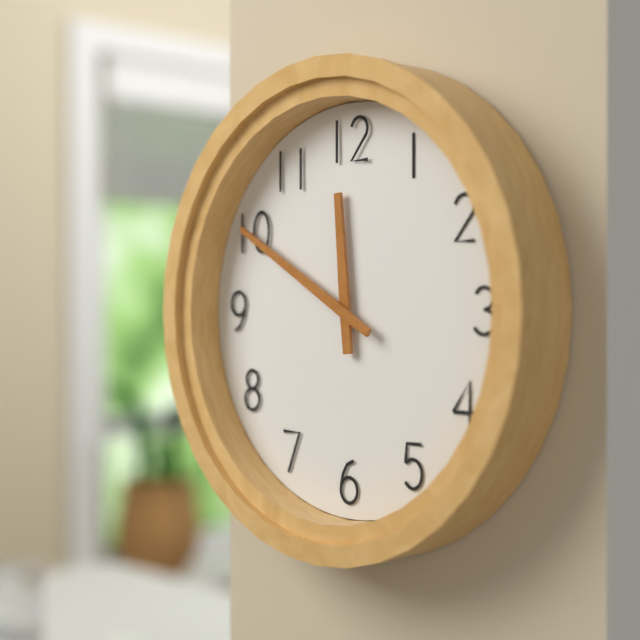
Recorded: 11 h 50 min
